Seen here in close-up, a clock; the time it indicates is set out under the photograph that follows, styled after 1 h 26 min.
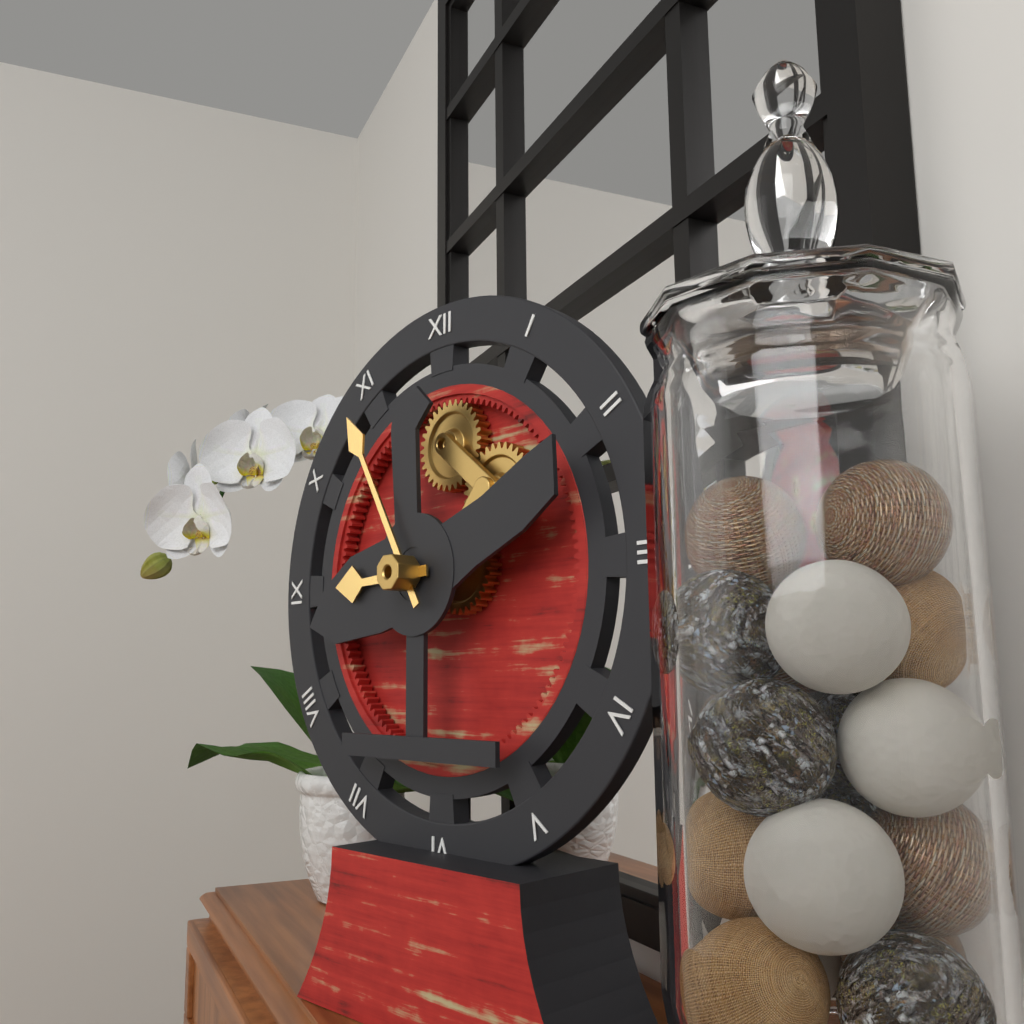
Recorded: 8 h 55 min
